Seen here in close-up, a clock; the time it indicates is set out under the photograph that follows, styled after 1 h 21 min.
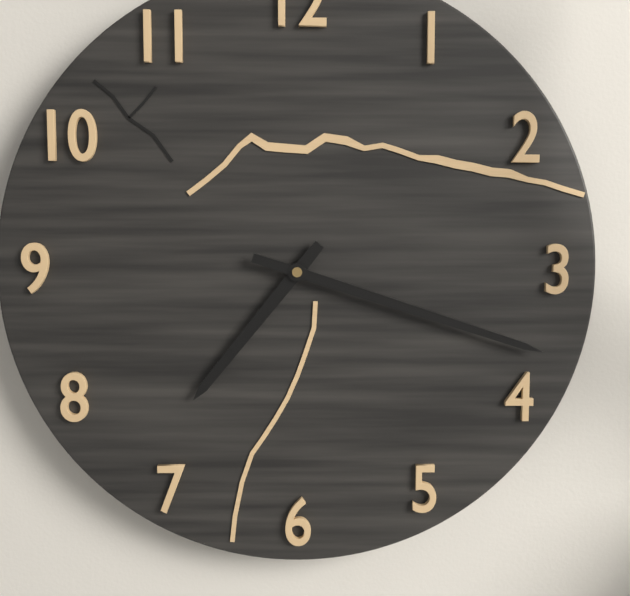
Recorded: 7 h 18 min
